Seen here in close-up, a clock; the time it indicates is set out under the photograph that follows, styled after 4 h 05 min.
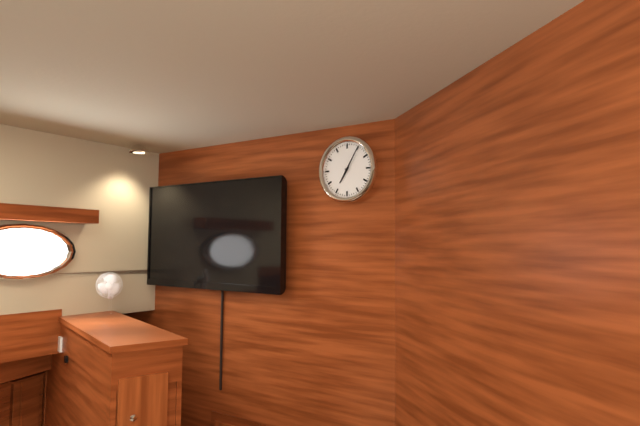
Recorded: 7 h 05 min
